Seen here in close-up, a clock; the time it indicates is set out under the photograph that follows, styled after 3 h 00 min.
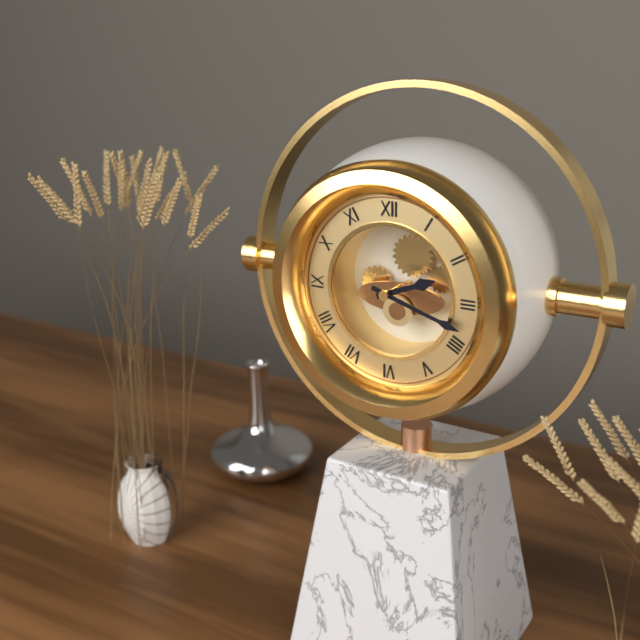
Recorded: 2 h 18 min
